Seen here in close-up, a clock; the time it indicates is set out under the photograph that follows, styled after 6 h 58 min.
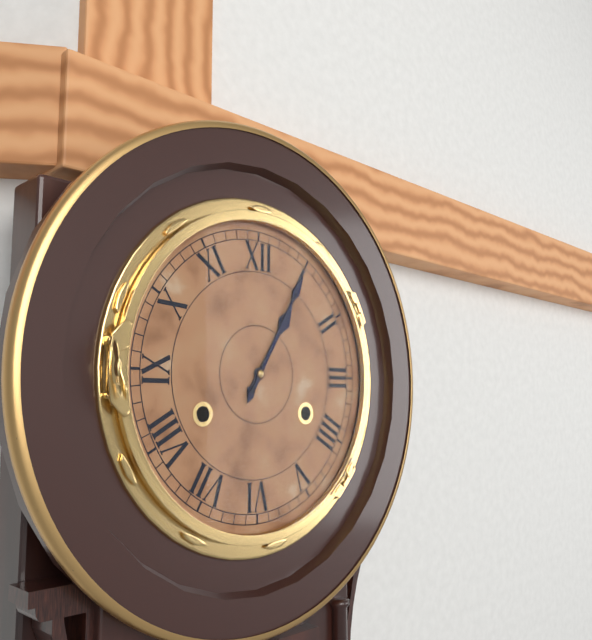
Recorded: 1 h 05 min
